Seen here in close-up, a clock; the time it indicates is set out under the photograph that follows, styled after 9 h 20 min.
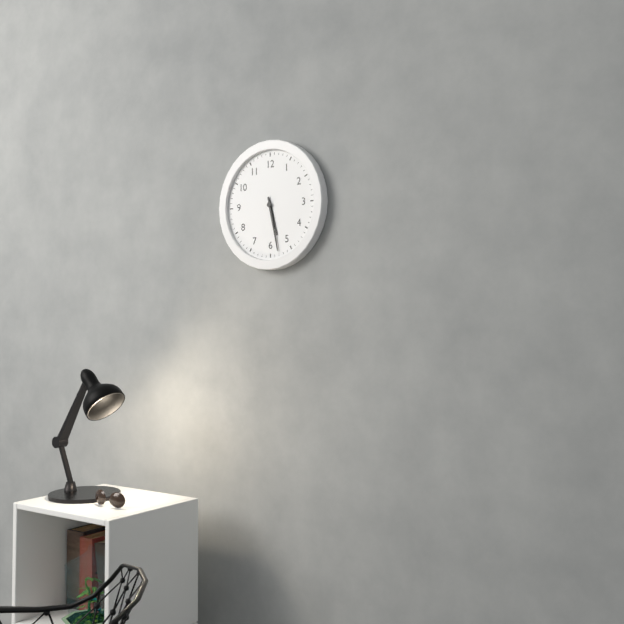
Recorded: 5 h 28 min
